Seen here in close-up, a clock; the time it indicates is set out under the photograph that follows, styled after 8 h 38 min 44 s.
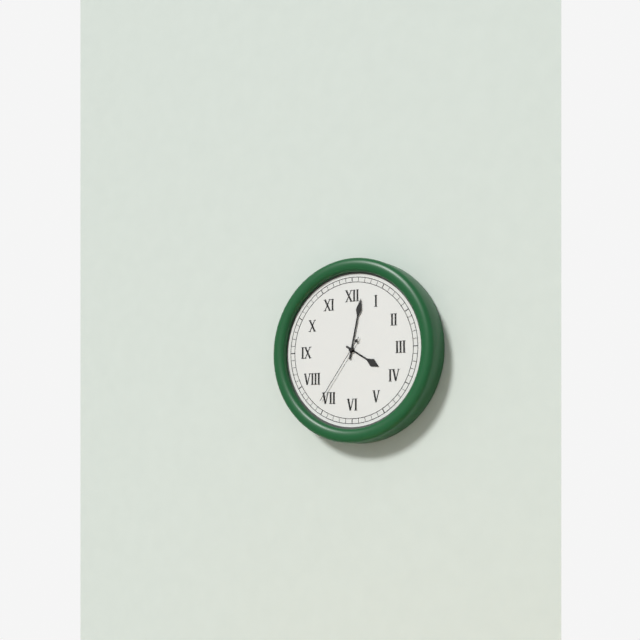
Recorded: 4 h 02 min 36 s
